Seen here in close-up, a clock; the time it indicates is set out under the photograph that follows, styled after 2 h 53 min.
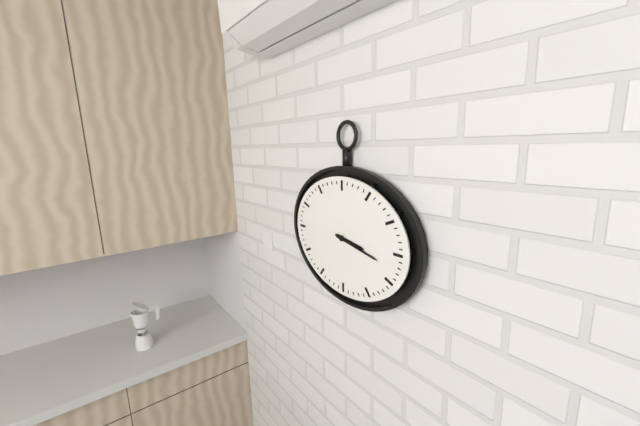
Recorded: 3 h 17 min
